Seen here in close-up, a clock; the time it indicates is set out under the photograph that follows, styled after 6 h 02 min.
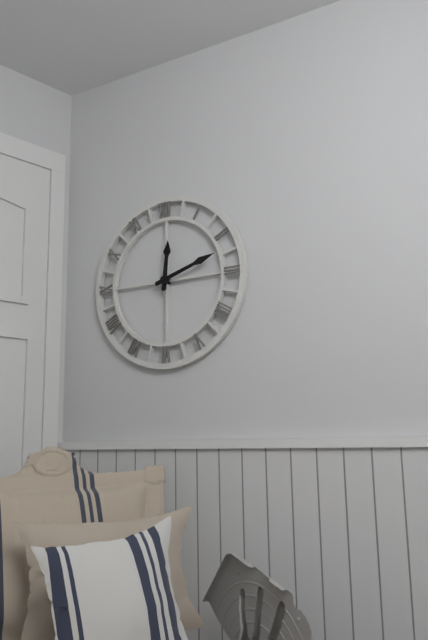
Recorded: 12 h 12 min
